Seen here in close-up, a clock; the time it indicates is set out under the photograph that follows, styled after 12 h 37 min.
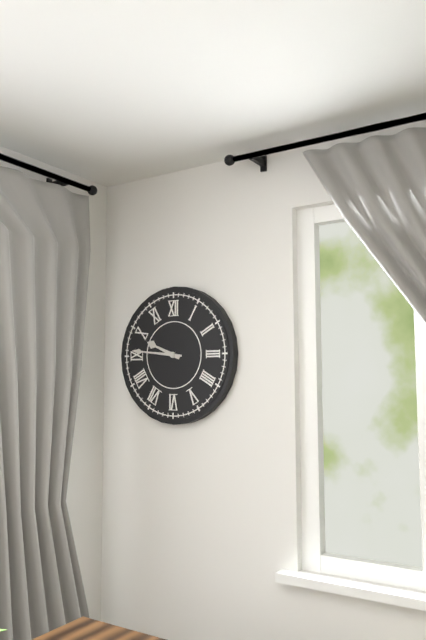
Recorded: 9 h 46 min
